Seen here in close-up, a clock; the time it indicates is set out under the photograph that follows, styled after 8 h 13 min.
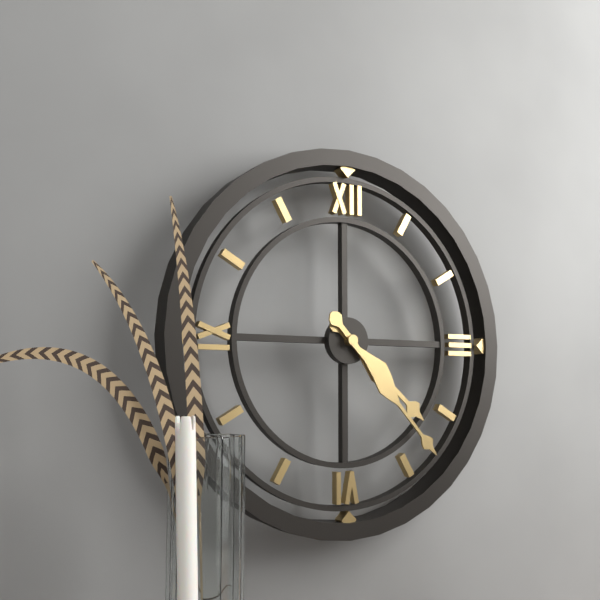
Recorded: 4 h 23 min
